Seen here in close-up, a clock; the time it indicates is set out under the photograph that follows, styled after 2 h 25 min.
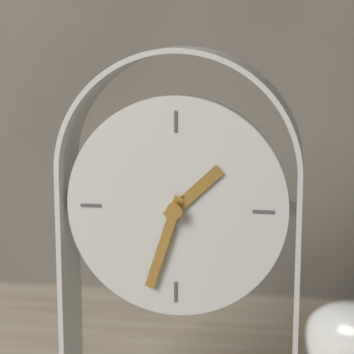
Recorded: 1 h 33 min
